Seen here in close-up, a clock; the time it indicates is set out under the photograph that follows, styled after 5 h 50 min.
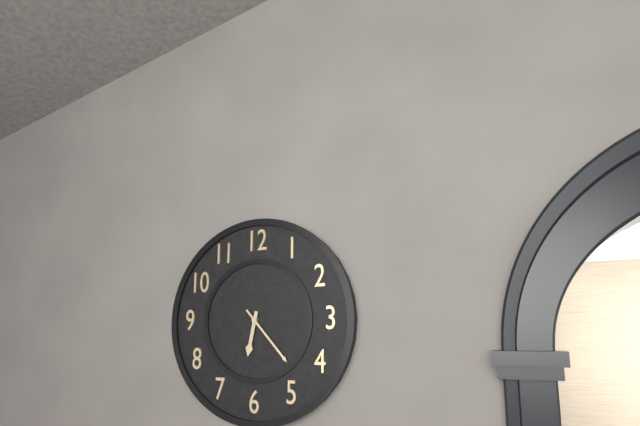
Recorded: 6 h 23 min
